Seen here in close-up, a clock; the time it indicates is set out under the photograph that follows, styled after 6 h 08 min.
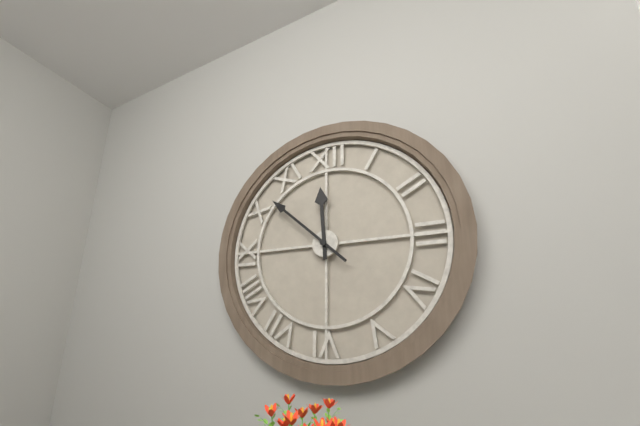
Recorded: 11 h 52 min
